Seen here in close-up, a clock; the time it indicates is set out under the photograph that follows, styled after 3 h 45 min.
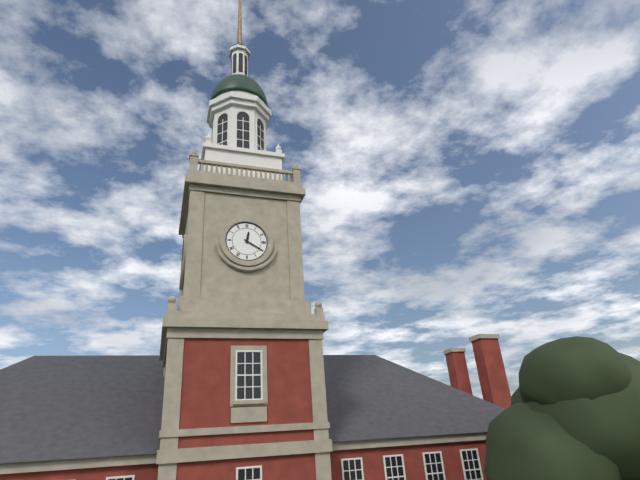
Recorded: 12 h 20 min
